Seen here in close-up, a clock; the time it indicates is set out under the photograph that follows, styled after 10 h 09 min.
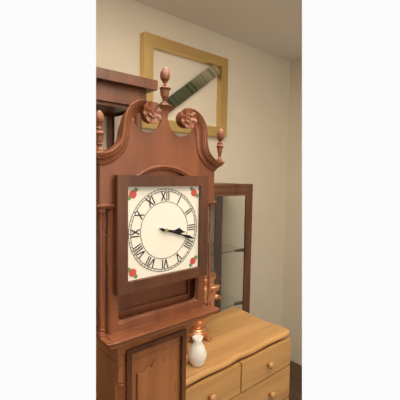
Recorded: 3 h 18 min
